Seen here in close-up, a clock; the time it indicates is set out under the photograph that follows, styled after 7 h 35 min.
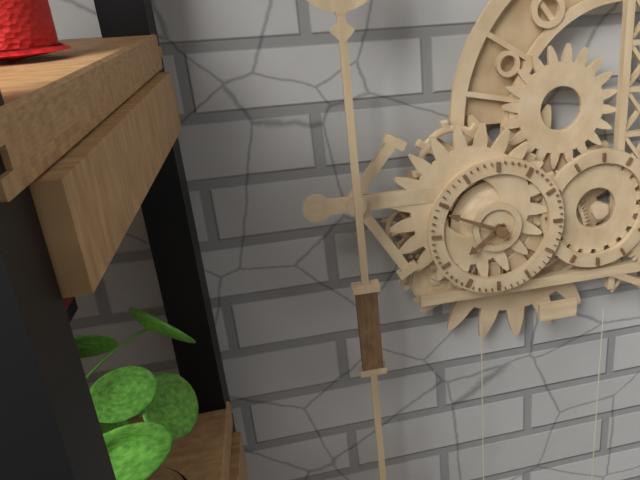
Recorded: 7 h 49 min
